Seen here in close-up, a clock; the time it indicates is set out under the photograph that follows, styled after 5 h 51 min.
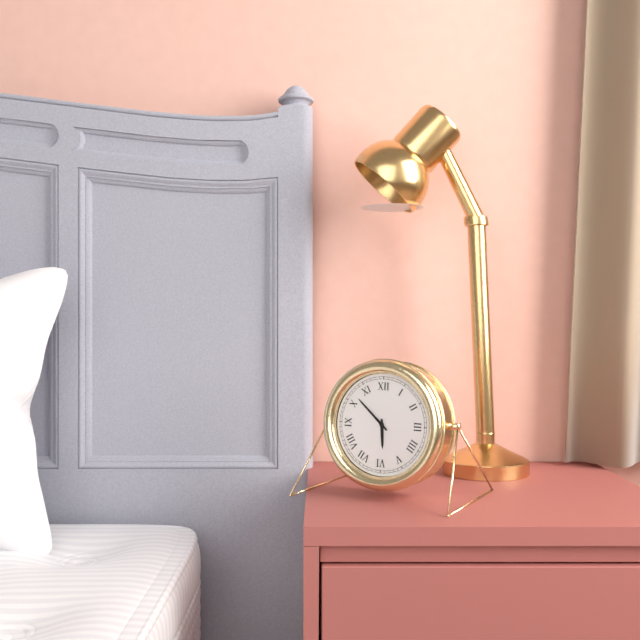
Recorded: 5 h 52 min
